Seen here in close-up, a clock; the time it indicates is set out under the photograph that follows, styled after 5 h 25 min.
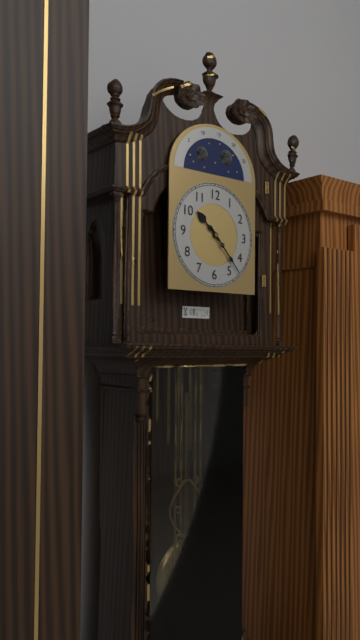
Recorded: 10 h 23 min
